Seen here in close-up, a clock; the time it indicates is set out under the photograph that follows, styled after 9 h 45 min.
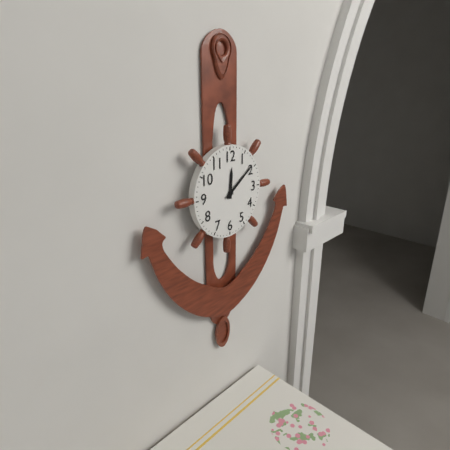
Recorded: 12 h 09 min
